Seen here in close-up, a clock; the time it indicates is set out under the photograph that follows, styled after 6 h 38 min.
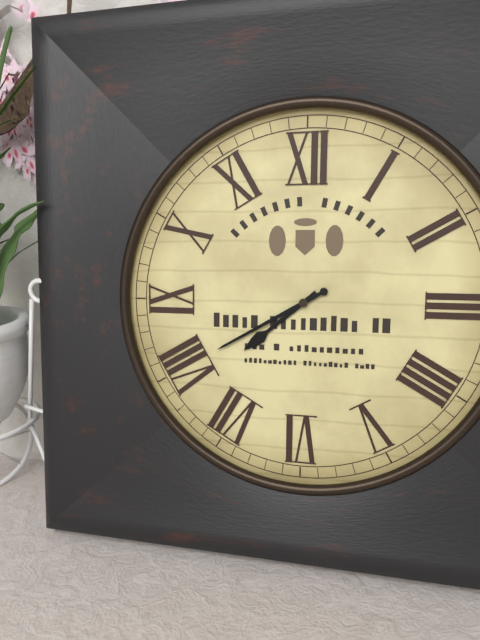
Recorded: 7 h 40 min
